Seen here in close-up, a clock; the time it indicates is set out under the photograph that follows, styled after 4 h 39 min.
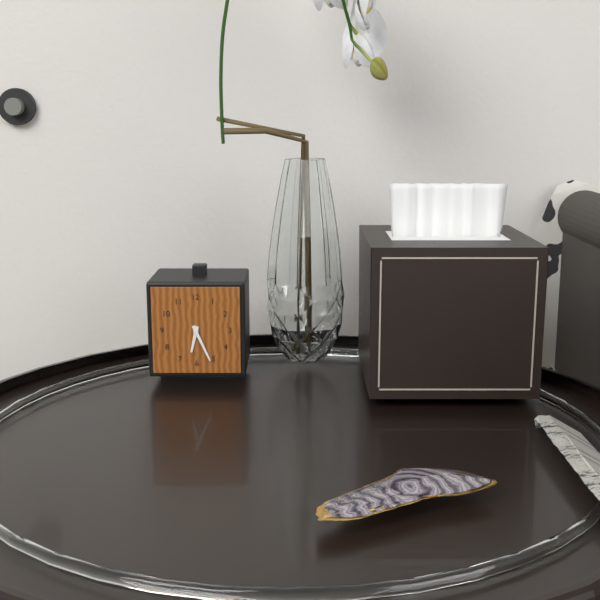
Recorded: 6 h 26 min
